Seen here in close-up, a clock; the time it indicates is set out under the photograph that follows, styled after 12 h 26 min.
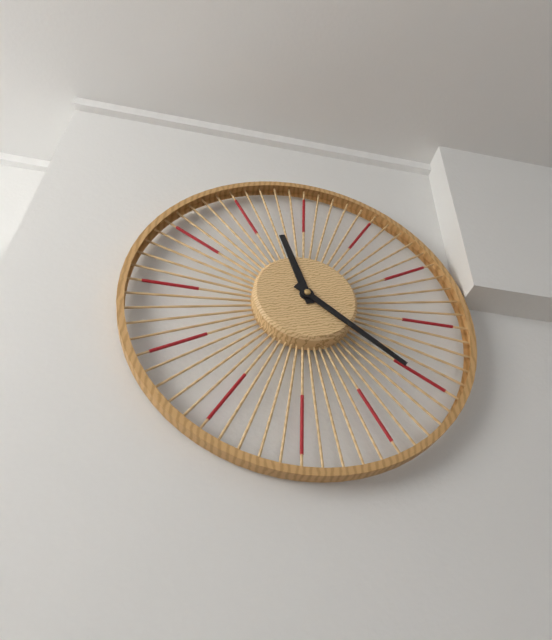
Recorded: 11 h 21 min
